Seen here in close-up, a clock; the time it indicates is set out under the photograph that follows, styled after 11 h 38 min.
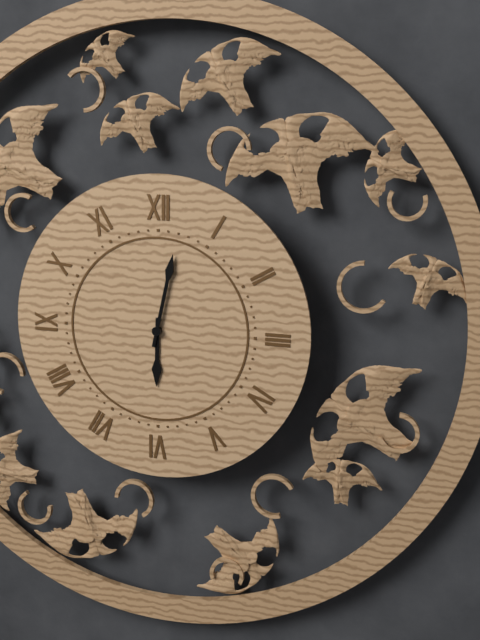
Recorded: 6 h 02 min
